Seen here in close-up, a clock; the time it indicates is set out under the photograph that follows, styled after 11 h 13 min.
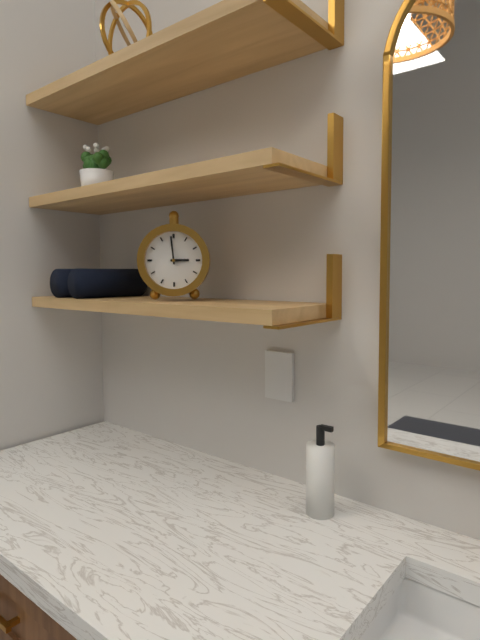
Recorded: 2 h 59 min
